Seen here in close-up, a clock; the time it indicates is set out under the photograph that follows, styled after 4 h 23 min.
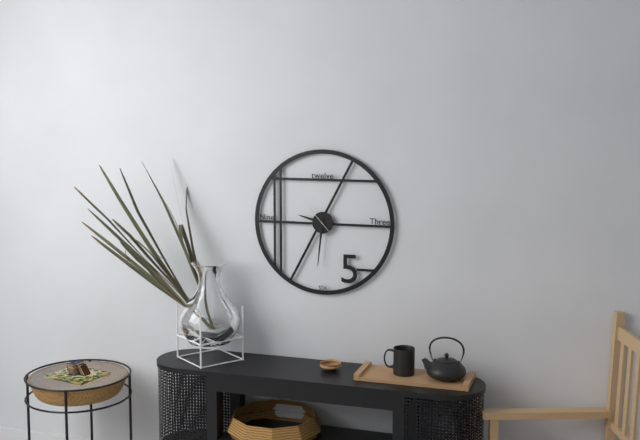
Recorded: 9 h 31 min
